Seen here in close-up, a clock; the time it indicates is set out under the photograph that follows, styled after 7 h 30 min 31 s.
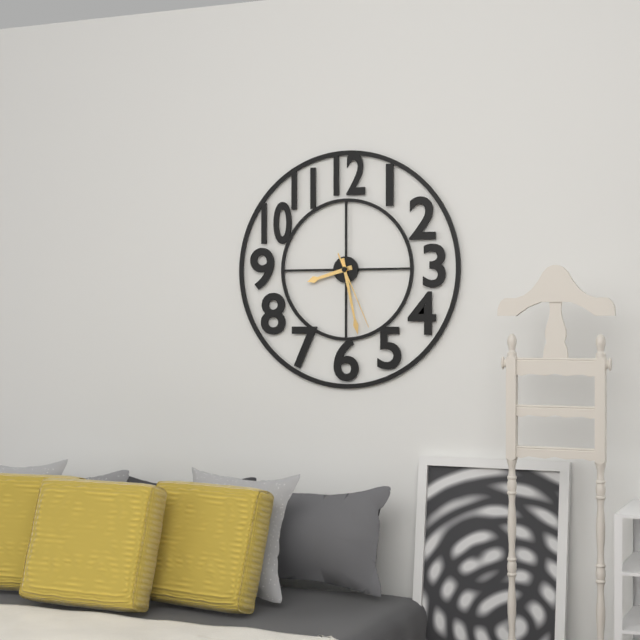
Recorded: 8 h 28 min 26 s
